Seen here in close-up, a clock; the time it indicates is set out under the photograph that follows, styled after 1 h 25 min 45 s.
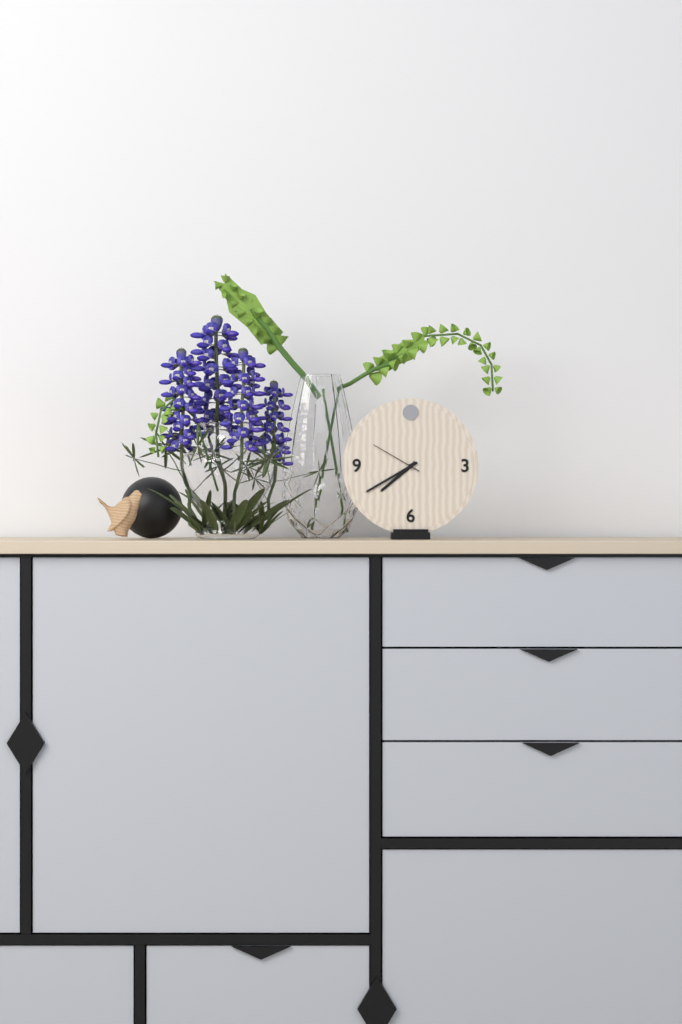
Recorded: 7 h 40 min 50 s
